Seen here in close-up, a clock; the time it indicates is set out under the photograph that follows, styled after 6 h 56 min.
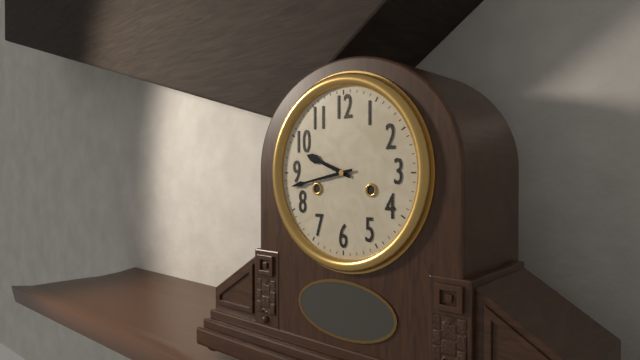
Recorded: 9 h 43 min
